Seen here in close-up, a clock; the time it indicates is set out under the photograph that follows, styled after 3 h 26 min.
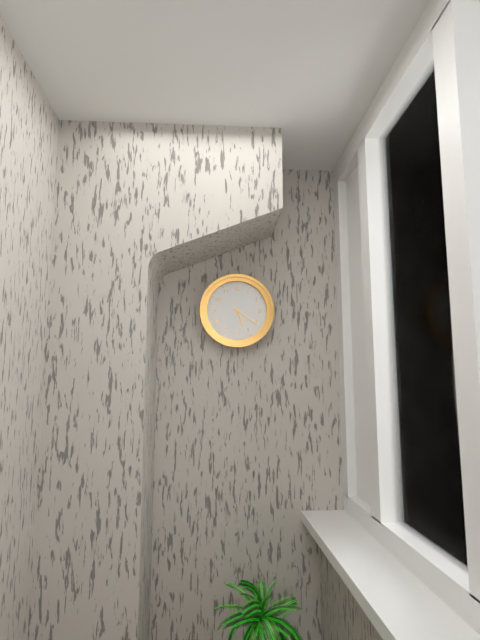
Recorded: 5 h 21 min
